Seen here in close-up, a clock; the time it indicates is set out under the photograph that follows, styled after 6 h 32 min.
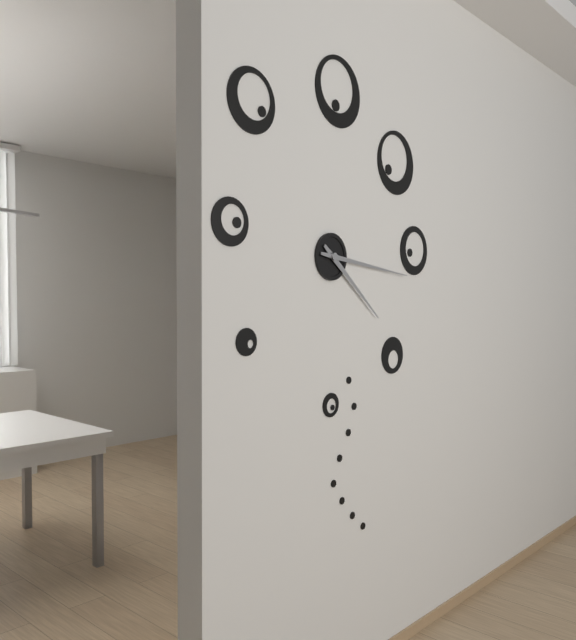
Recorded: 4 h 16 min
